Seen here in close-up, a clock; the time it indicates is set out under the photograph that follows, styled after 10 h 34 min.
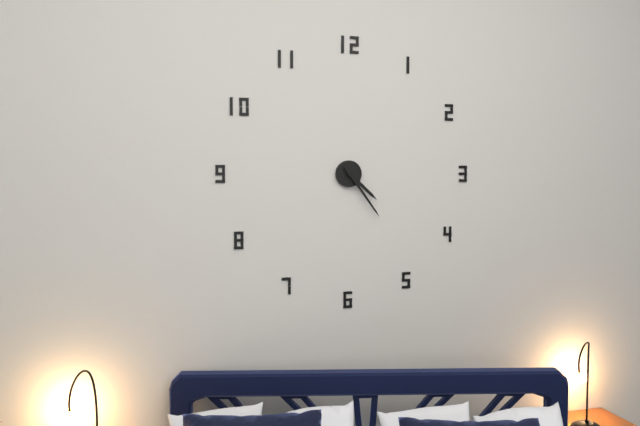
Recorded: 4 h 24 min
